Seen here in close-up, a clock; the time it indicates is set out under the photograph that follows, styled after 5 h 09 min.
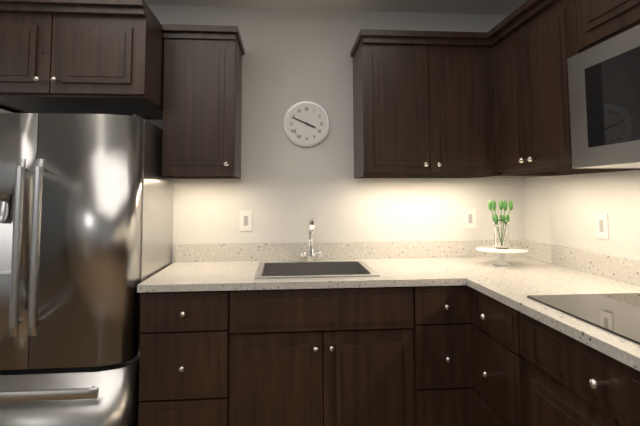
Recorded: 3 h 49 min
